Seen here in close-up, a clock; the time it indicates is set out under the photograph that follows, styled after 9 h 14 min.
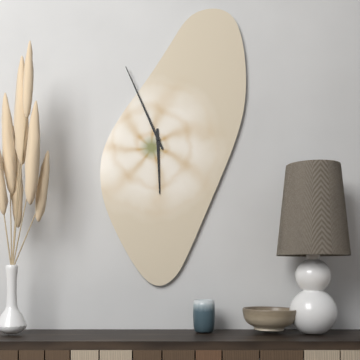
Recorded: 5 h 56 min
